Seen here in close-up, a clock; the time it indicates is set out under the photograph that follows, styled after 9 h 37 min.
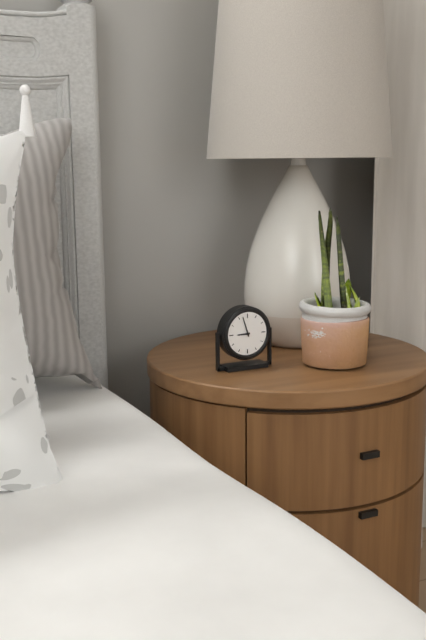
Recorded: 8 h 57 min
